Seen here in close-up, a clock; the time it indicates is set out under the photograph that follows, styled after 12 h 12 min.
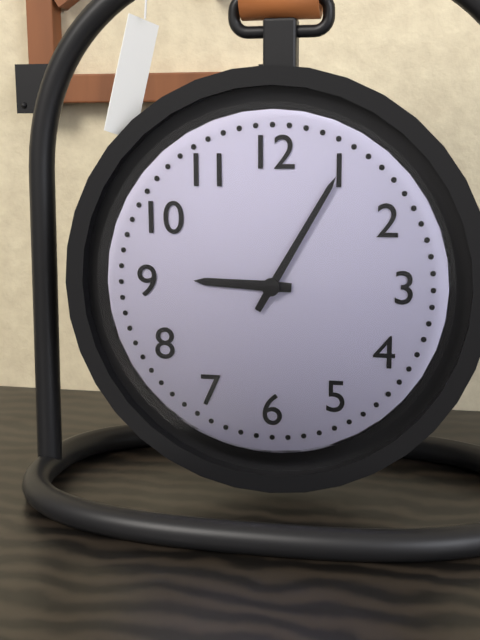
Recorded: 9 h 05 min
